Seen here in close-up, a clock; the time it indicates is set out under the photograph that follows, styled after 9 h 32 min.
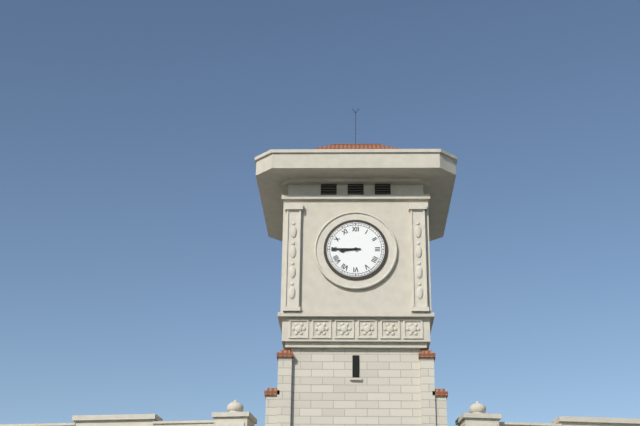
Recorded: 8 h 45 min
